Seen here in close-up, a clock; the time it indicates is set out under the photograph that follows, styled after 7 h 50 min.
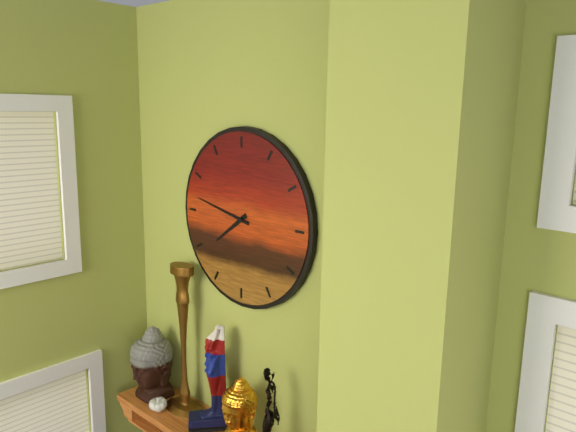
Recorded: 7 h 47 min
